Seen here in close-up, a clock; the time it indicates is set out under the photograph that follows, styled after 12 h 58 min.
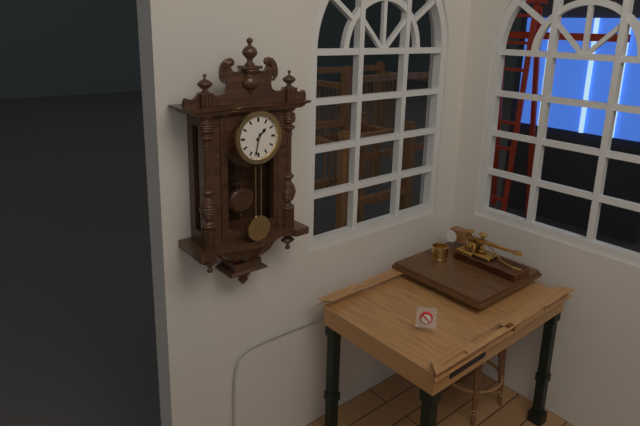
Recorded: 1 h 32 min
